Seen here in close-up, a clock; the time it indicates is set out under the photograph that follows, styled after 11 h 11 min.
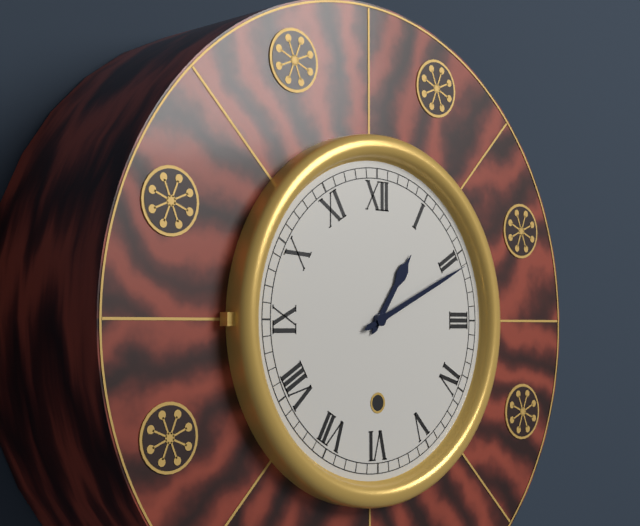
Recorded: 1 h 11 min
